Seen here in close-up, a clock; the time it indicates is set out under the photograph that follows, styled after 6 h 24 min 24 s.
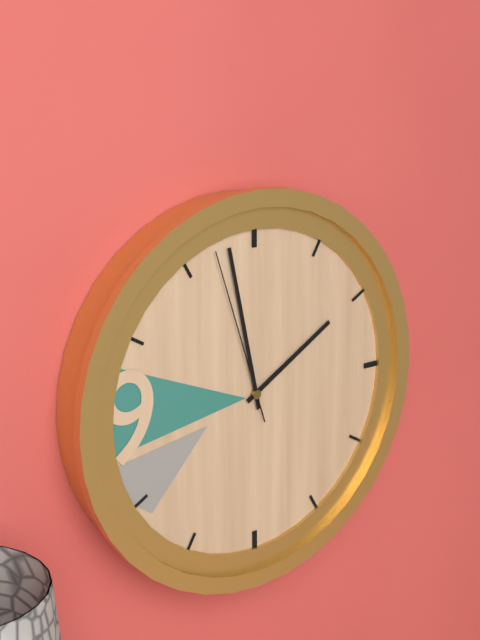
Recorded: 1 h 58 min 57 s
